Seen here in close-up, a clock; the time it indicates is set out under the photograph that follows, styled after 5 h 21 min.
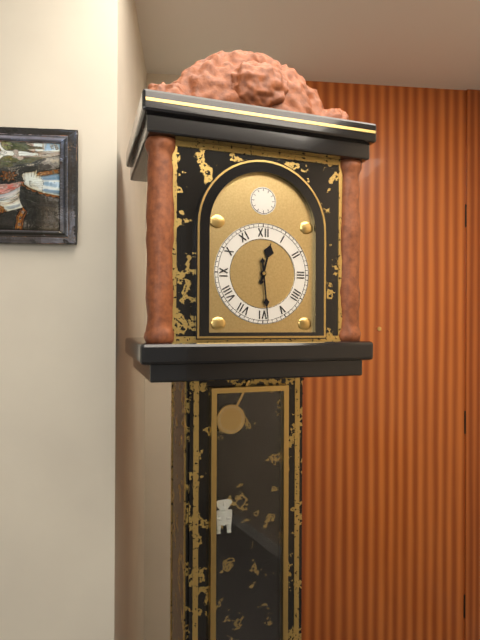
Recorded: 12 h 29 min
